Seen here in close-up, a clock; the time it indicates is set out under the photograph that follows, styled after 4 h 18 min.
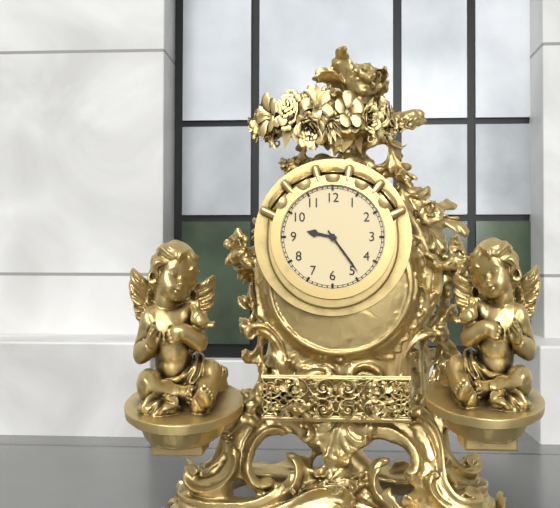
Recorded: 9 h 24 min
